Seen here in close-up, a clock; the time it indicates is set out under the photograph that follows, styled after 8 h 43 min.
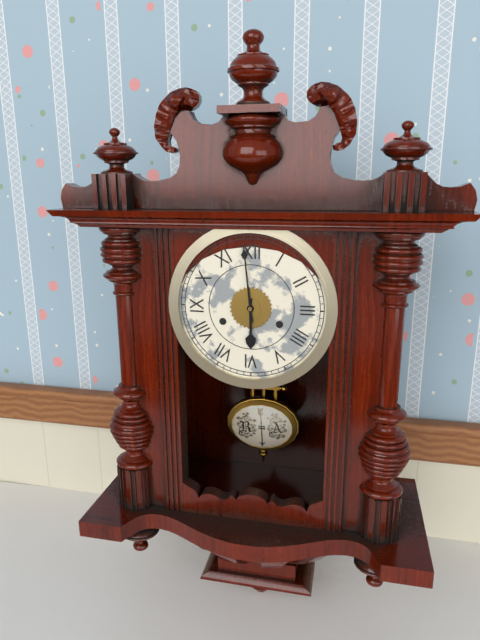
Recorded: 5 h 59 min
